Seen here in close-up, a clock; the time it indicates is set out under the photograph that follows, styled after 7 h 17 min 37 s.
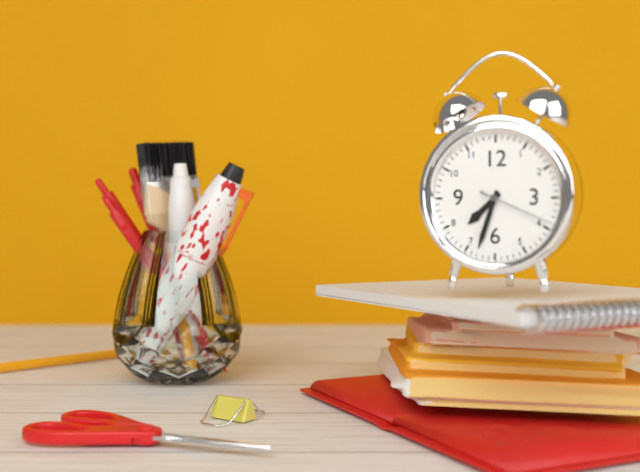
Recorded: 7 h 33 min 19 s
